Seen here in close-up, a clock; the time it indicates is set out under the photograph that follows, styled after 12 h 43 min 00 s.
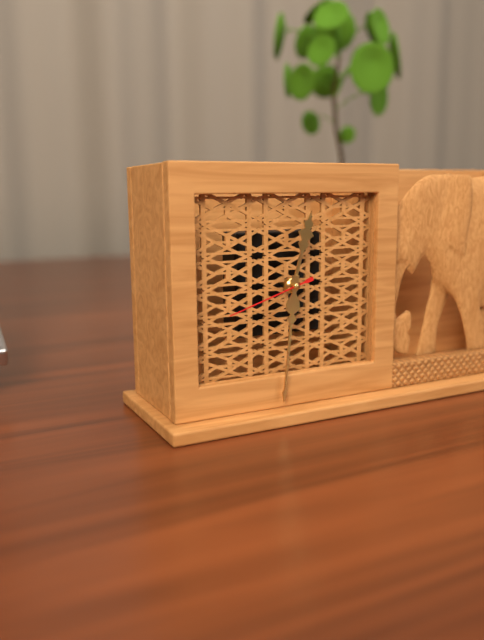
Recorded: 12 h 31 min 42 s
